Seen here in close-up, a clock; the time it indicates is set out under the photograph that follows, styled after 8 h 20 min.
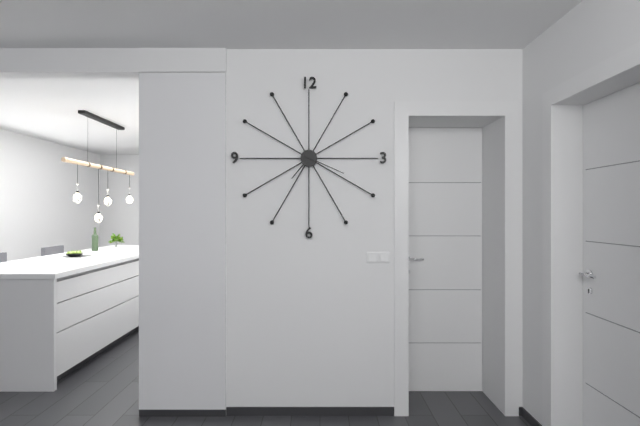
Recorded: 7 h 19 min
